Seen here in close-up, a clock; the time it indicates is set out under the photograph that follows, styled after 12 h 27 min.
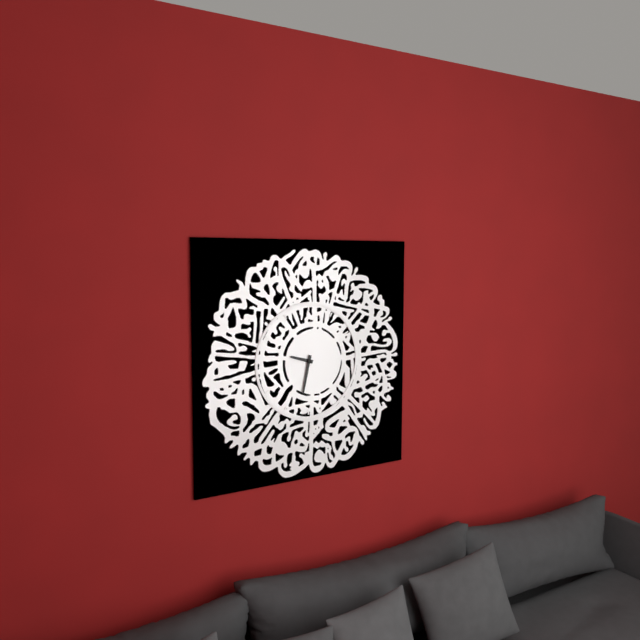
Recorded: 9 h 32 min
